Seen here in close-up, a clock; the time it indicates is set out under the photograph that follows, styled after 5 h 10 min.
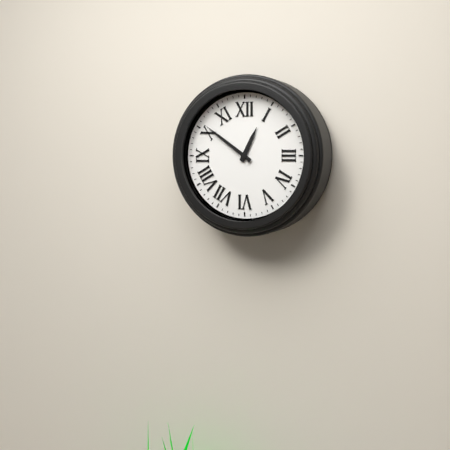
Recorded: 12 h 51 min
